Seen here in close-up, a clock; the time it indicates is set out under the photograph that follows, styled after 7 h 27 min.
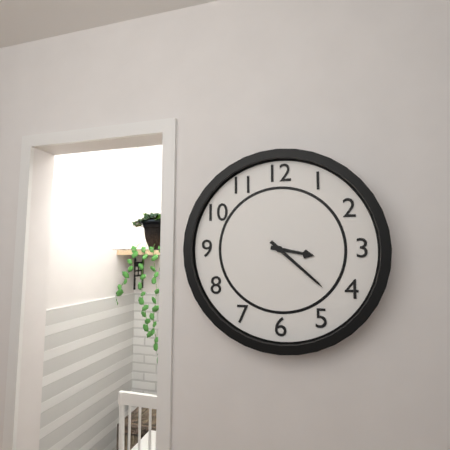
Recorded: 3 h 22 min
